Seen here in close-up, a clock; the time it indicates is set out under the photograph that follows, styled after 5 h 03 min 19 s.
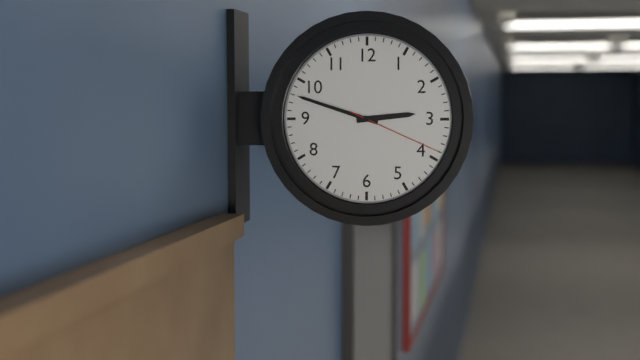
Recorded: 2 h 48 min 19 s
